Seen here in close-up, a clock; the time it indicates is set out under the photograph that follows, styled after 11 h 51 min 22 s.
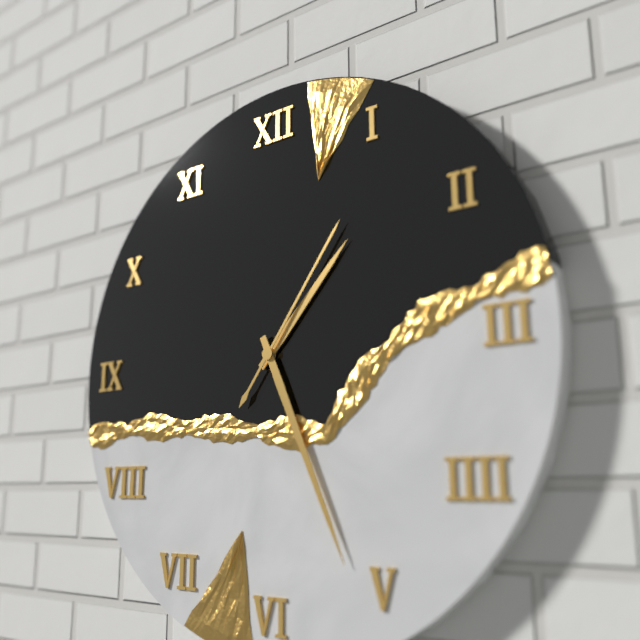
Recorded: 1 h 26 min 06 s
